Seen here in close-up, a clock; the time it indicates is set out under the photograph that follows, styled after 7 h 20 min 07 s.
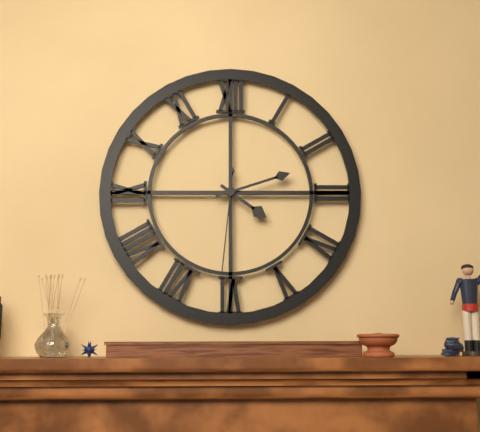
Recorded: 4 h 12 min 31 s
